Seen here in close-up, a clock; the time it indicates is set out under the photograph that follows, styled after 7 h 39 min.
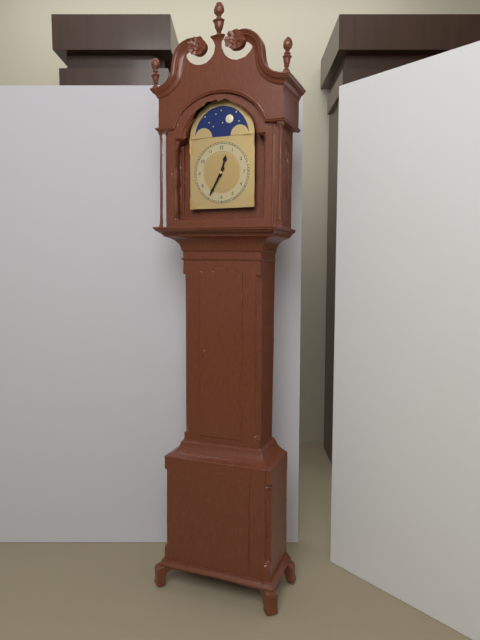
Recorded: 12 h 35 min
